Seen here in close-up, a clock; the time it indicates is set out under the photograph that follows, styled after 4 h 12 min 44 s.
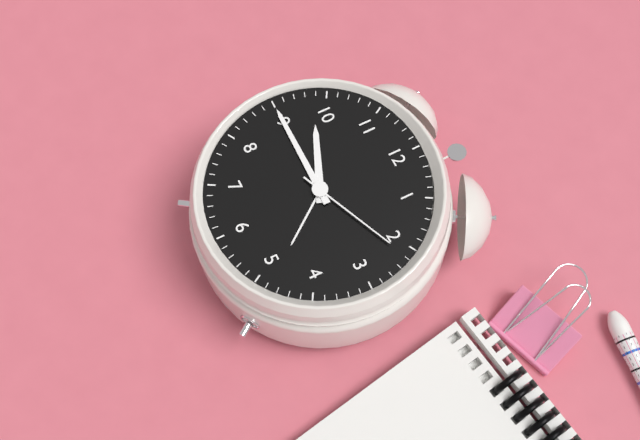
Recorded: 9 h 45 min 11 s
